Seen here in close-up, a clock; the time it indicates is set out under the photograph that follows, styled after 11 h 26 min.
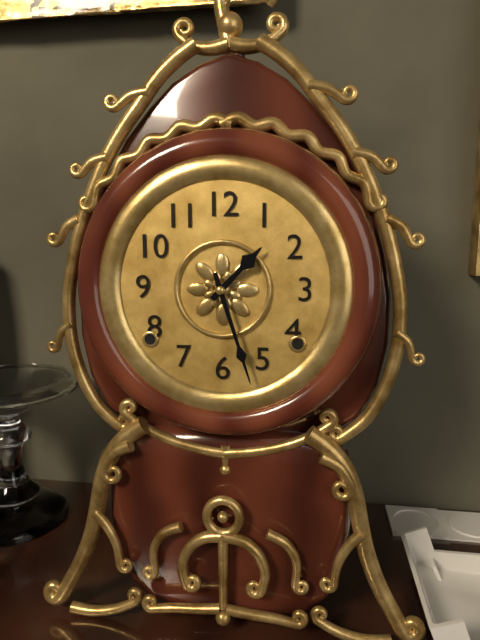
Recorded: 1 h 27 min
